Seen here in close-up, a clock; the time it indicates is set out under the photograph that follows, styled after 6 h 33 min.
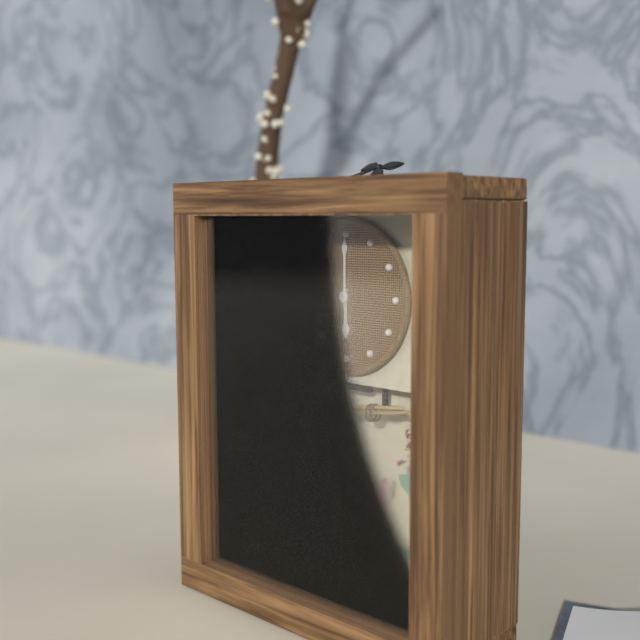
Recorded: 6 h 00 min
